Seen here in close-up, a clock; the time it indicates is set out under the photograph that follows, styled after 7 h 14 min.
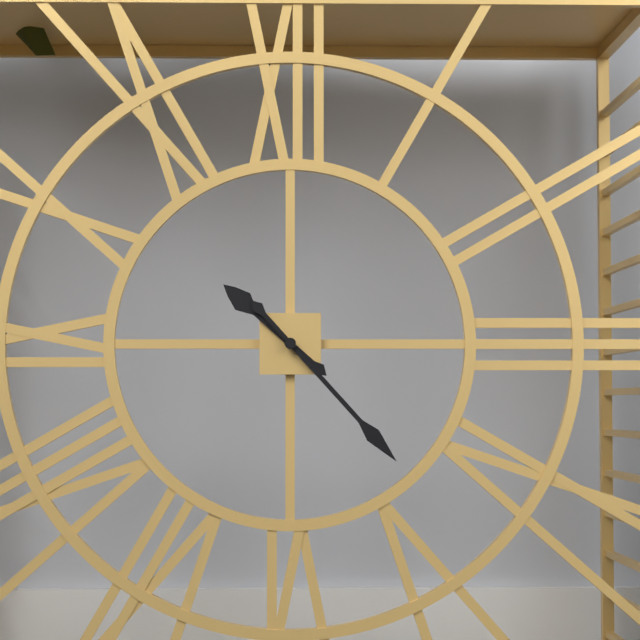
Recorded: 10 h 23 min
